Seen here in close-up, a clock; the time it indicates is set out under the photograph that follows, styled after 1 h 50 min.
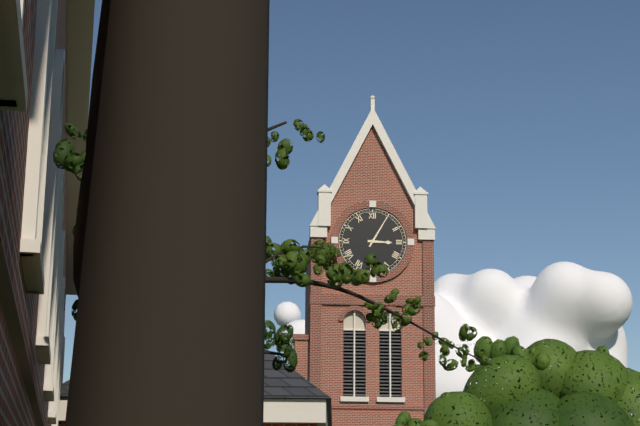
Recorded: 3 h 05 min
